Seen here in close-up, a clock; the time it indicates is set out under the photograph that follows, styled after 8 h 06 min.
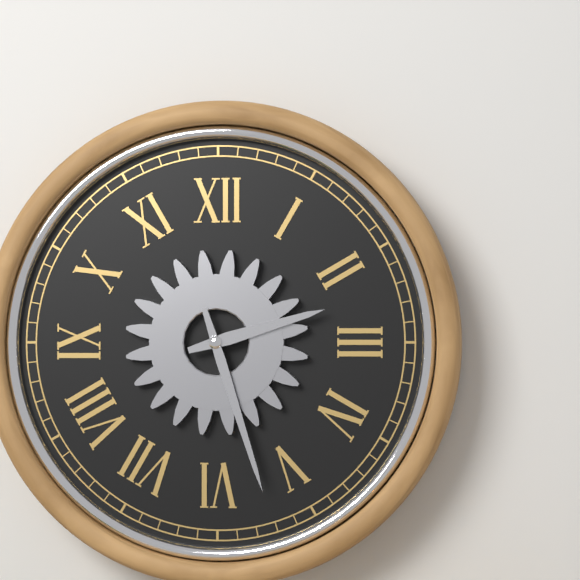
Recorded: 2 h 27 min
